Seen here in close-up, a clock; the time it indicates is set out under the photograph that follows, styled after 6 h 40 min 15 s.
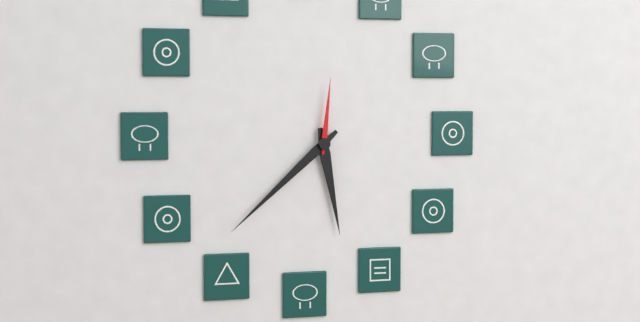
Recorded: 5 h 38 min 01 s
